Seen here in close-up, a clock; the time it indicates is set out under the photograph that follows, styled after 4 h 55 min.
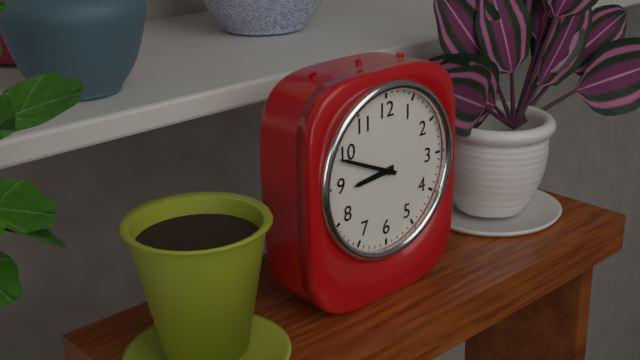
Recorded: 8 h 49 min
